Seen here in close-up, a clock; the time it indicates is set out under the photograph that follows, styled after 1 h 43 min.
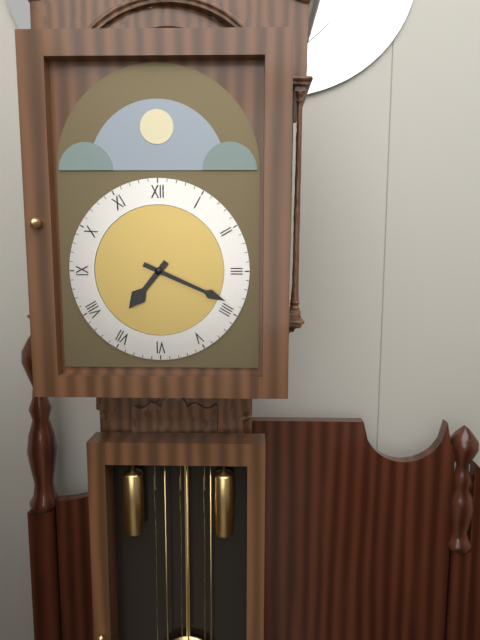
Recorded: 7 h 19 min
